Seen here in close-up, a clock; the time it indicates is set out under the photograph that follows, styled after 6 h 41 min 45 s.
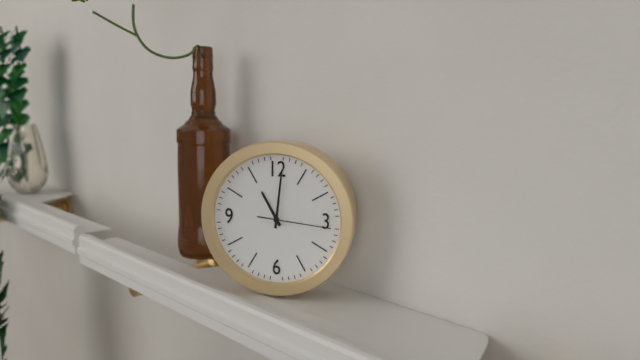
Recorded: 11 h 01 min 16 s
